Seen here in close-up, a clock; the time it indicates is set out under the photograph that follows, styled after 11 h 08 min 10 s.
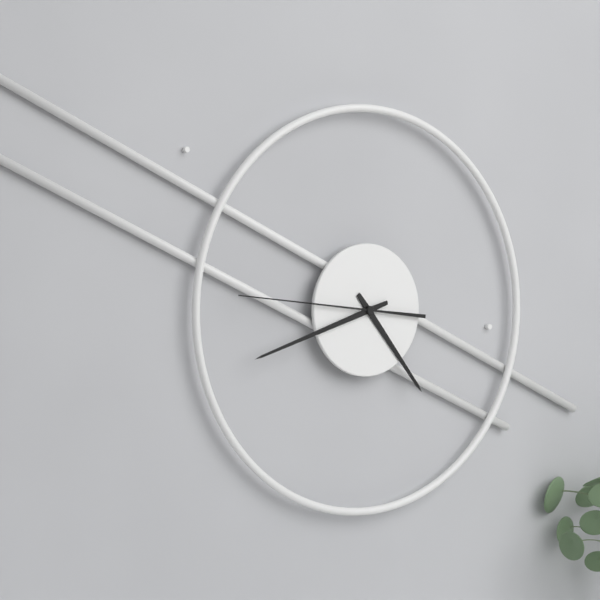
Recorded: 4 h 42 min 46 s
